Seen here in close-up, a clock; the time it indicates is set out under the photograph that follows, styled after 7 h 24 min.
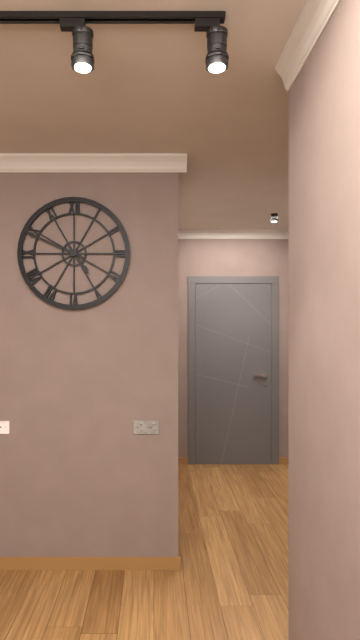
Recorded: 4 h 49 min
